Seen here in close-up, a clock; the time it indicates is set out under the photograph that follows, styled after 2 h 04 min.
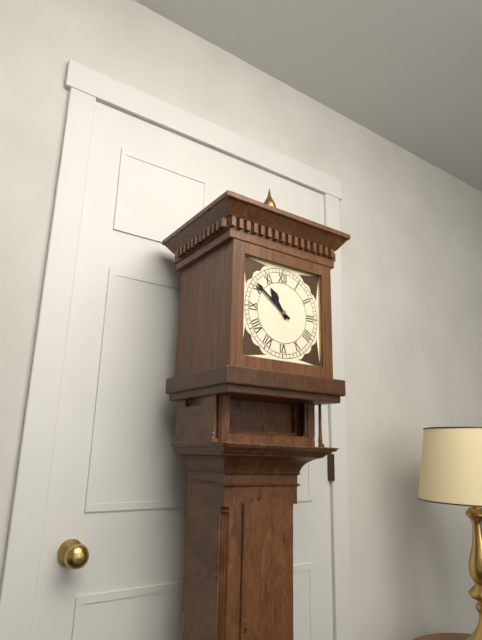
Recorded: 10 h 51 min
